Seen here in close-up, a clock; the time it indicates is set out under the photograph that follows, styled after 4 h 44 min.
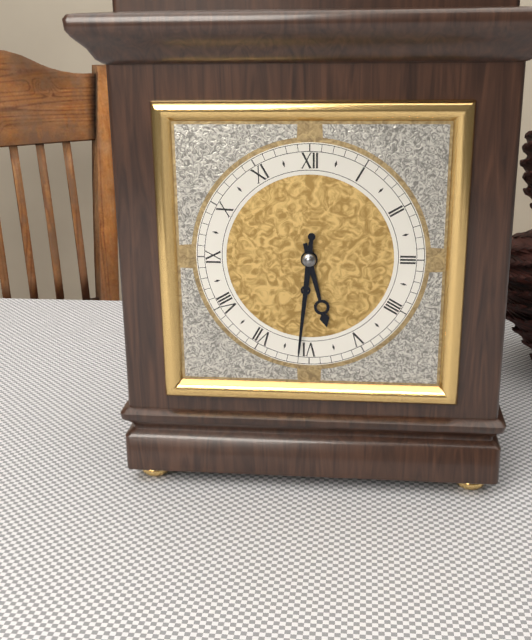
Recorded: 5 h 31 min
